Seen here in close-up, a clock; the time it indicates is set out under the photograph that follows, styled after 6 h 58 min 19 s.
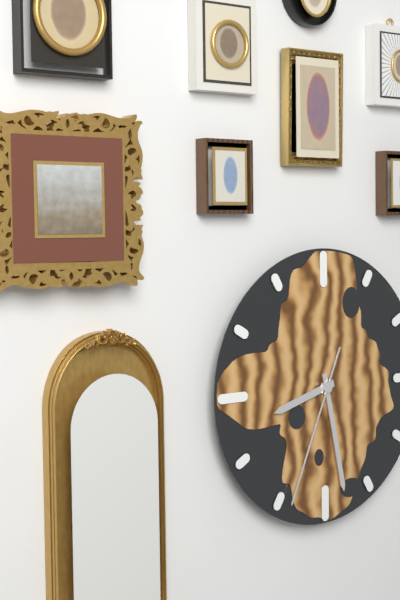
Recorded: 8 h 28 min 34 s
